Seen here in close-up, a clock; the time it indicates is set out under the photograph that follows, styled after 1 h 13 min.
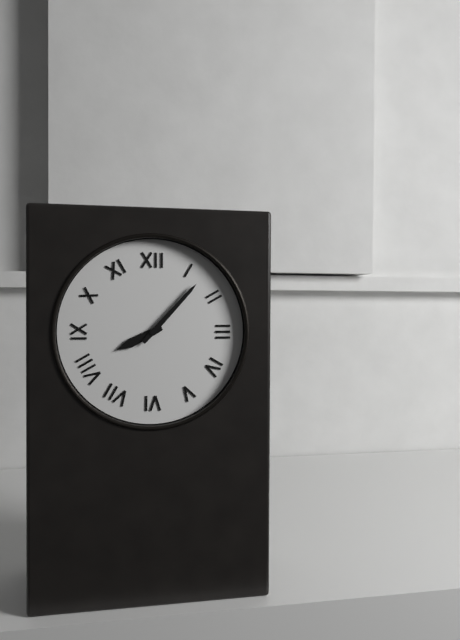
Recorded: 8 h 07 min
